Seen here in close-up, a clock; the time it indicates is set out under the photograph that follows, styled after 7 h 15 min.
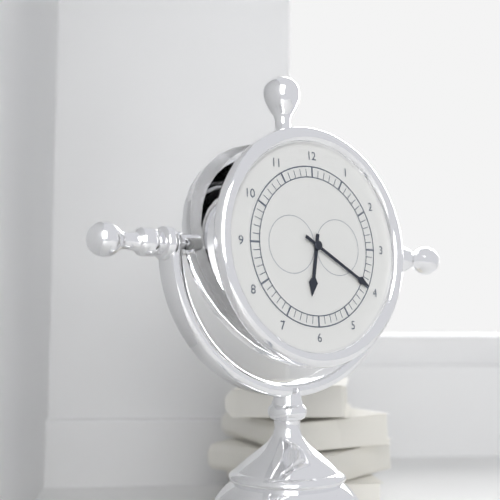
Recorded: 6 h 20 min
